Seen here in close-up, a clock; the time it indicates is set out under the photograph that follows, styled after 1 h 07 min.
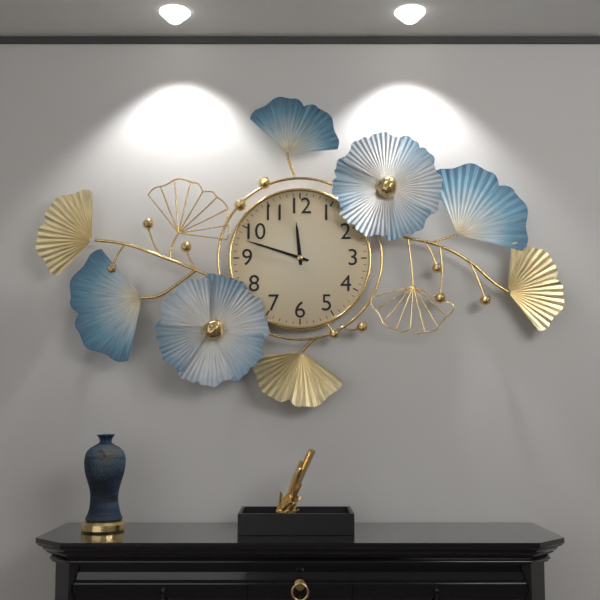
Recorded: 11 h 48 min
